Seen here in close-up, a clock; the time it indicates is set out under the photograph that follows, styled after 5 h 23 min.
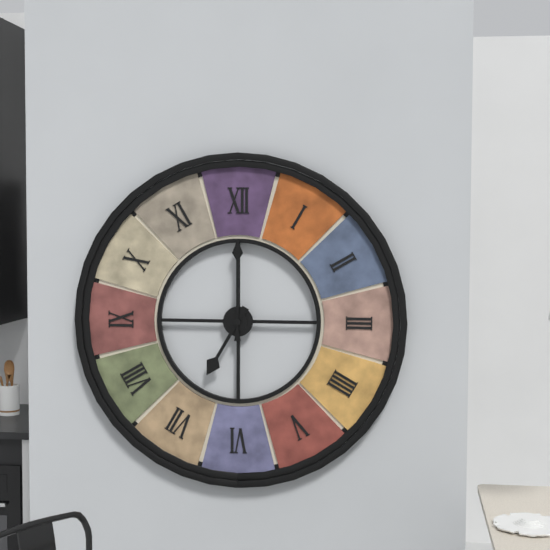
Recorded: 7 h 00 min
